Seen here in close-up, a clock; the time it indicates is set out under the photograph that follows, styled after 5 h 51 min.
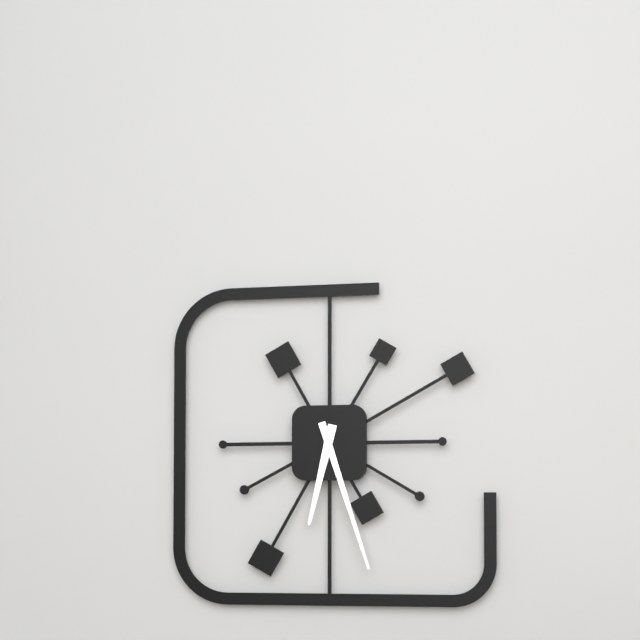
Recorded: 6 h 27 min
